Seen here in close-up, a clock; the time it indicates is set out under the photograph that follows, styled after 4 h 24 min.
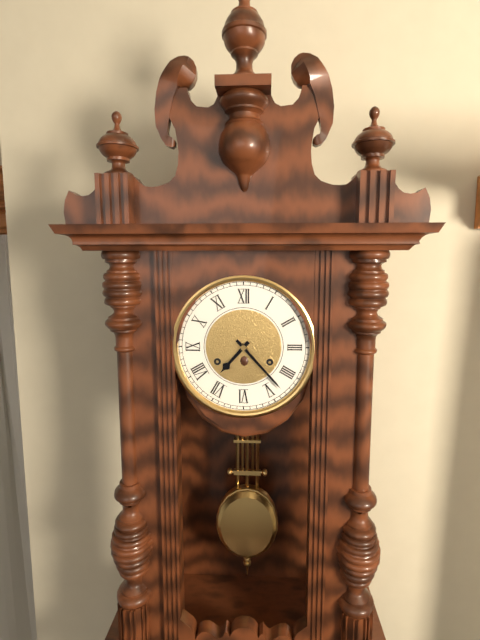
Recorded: 7 h 23 min
